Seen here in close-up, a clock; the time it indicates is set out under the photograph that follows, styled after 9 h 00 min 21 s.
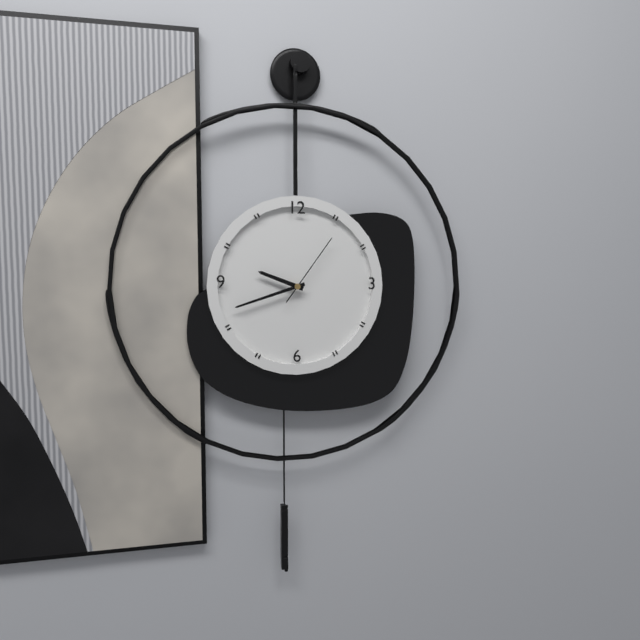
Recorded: 9 h 42 min 06 s
